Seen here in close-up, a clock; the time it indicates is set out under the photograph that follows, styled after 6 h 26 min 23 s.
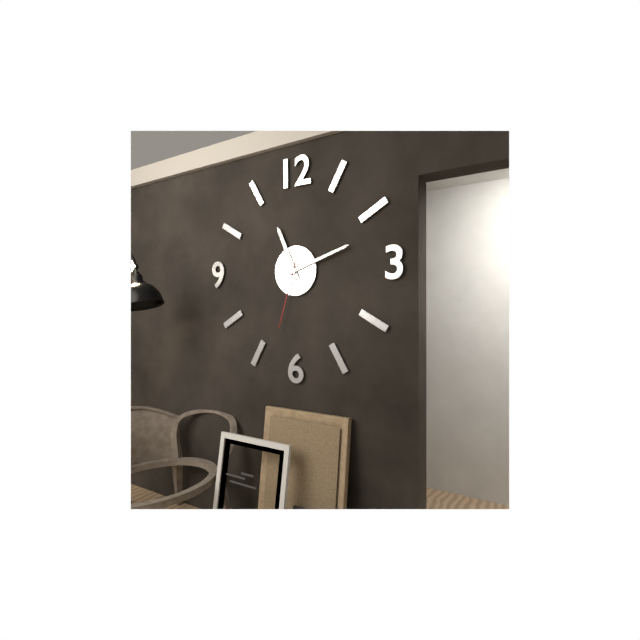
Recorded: 11 h 12 min 33 s
